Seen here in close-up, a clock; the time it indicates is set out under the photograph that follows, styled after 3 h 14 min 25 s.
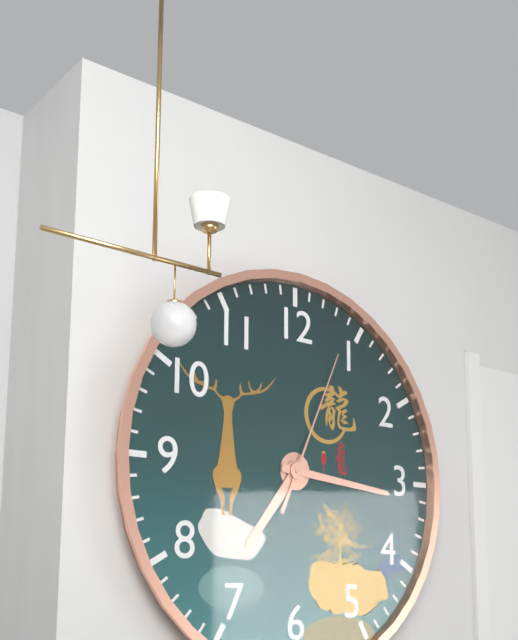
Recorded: 7 h 16 min 04 s
